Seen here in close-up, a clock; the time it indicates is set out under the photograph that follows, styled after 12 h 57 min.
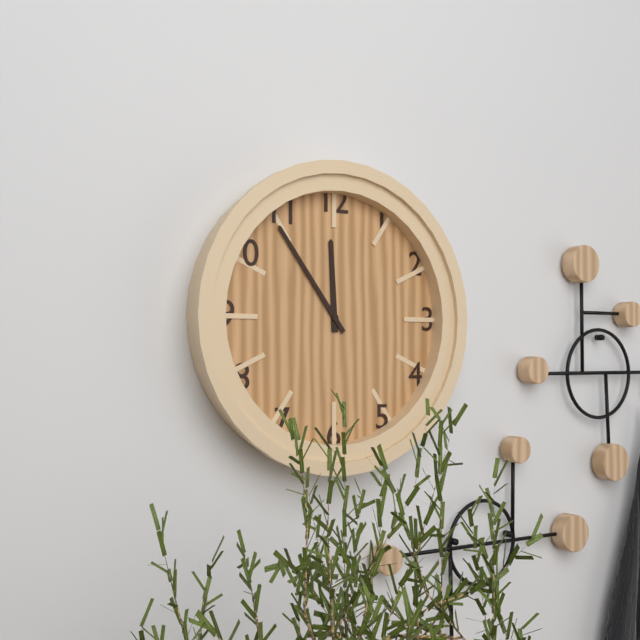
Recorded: 11 h 54 min
